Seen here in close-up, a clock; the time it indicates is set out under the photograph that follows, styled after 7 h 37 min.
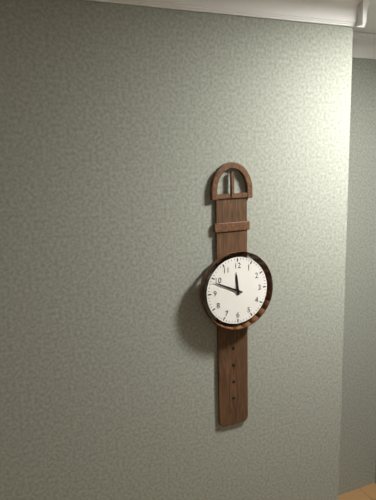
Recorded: 11 h 49 min
